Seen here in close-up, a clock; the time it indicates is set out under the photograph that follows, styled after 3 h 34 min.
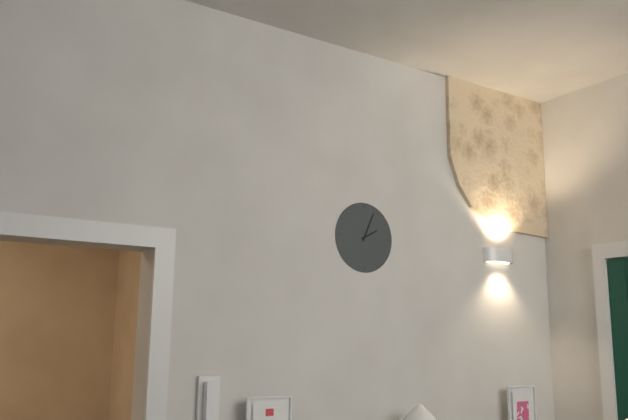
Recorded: 2 h 04 min
